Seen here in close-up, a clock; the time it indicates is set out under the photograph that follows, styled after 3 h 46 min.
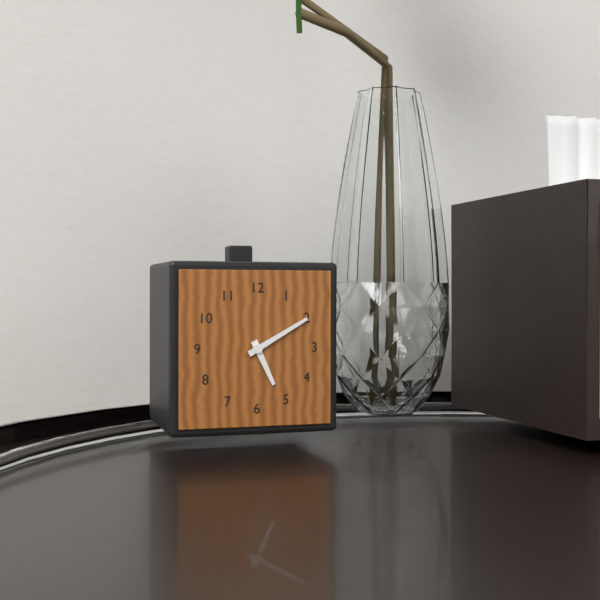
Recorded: 5 h 10 min
